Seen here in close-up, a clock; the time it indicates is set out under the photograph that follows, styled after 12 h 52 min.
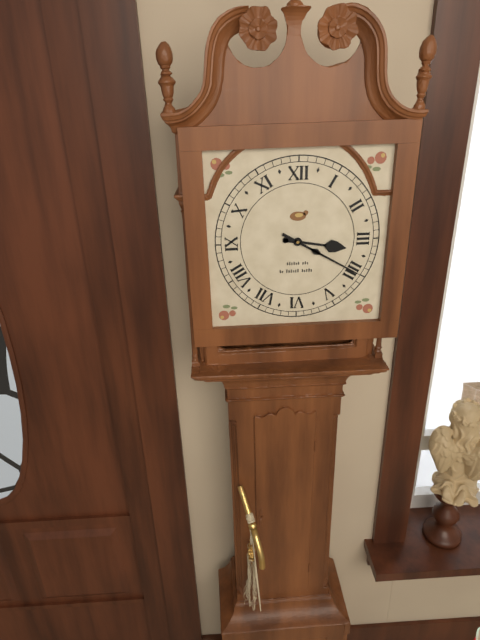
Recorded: 3 h 20 min
